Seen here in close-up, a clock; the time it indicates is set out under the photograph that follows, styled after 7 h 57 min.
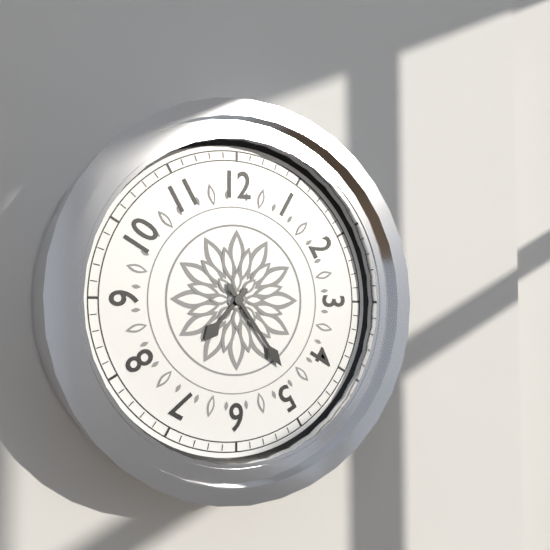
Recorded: 7 h 24 min
